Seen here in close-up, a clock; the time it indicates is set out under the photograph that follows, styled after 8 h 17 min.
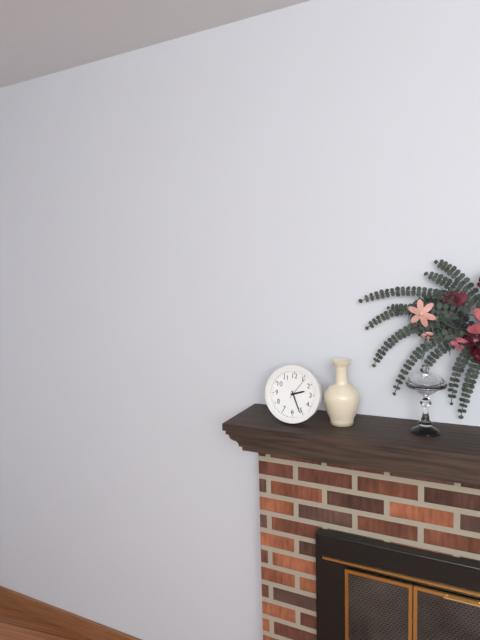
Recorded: 2 h 26 min
